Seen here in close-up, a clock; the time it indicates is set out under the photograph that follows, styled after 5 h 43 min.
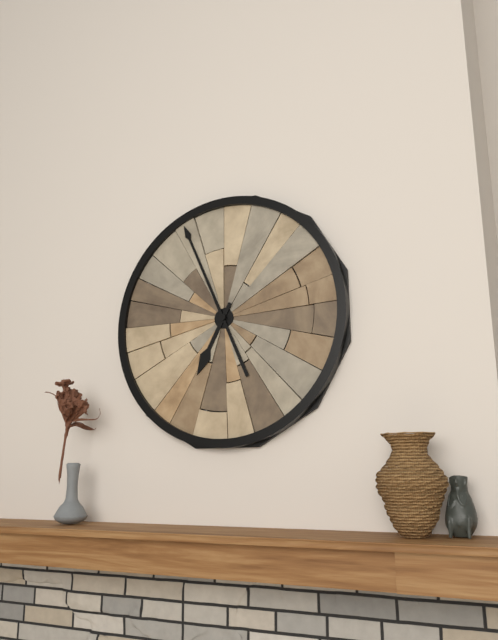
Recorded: 6 h 56 min
